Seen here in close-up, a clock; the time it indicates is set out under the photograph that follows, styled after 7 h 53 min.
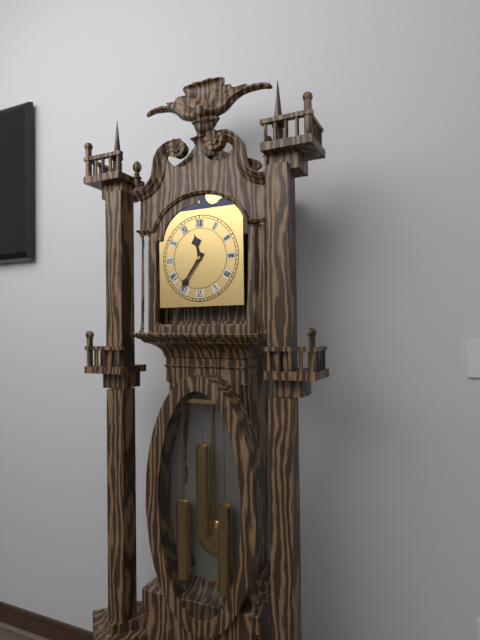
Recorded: 11 h 36 min
